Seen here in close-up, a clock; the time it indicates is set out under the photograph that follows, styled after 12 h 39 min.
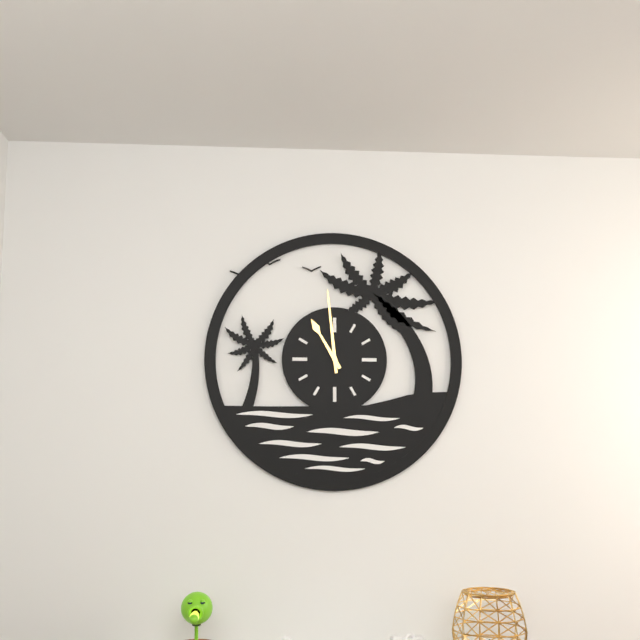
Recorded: 10 h 59 min
